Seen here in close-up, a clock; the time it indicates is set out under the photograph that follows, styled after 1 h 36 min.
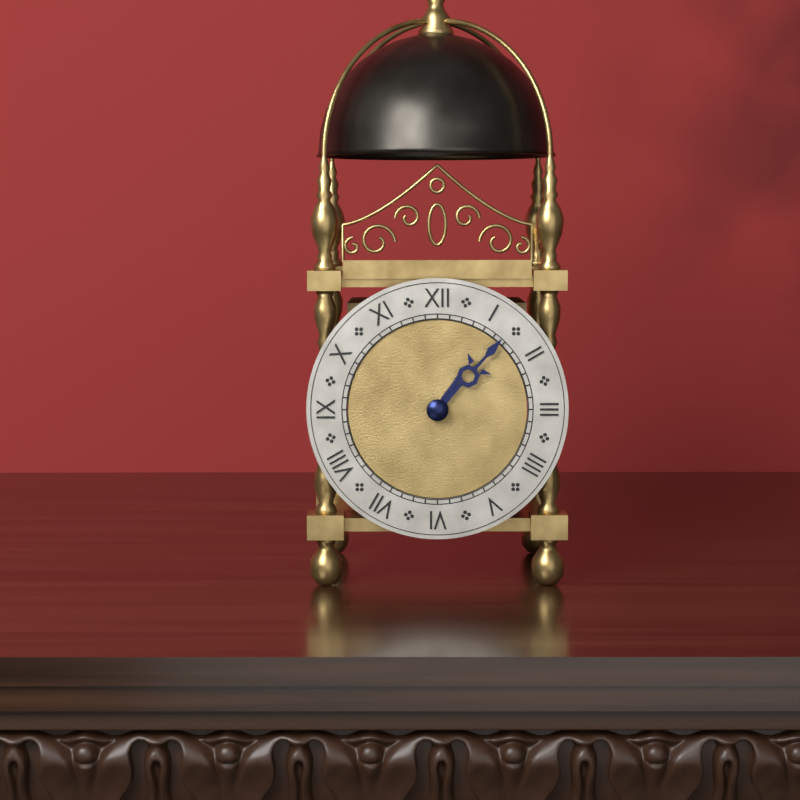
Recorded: 1 h 07 min
